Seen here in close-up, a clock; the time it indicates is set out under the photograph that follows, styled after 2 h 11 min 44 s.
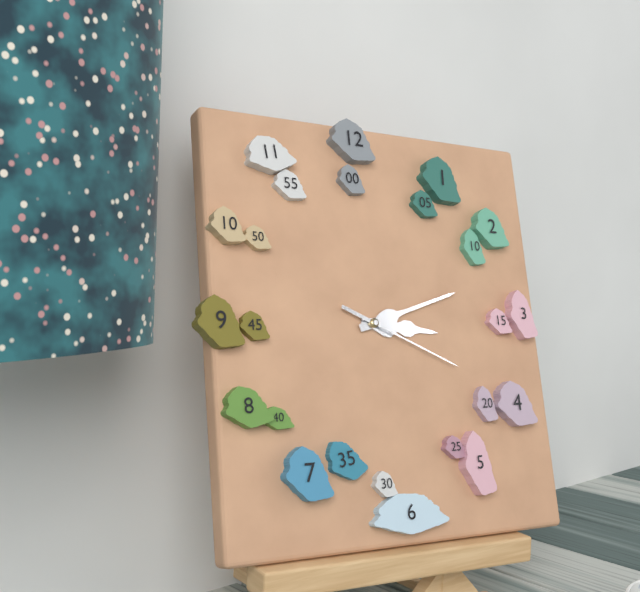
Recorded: 3 h 12 min 19 s
